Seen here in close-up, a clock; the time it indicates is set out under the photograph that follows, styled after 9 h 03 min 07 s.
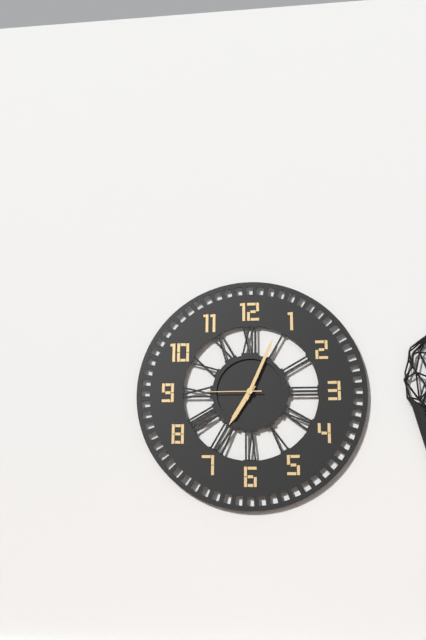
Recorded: 7 h 04 min 45 s
